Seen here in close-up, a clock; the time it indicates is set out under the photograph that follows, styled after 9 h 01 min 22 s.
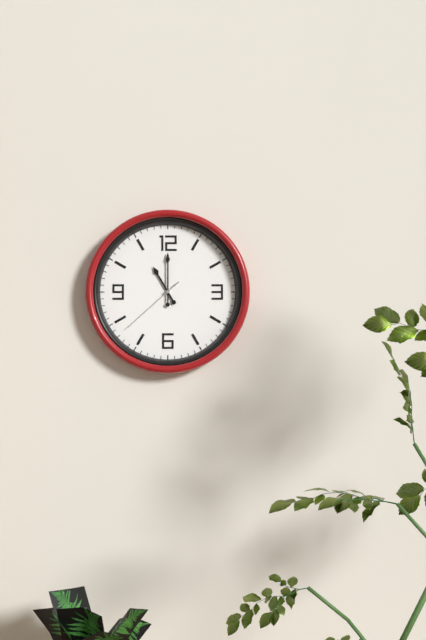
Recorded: 11 h 00 min 38 s
